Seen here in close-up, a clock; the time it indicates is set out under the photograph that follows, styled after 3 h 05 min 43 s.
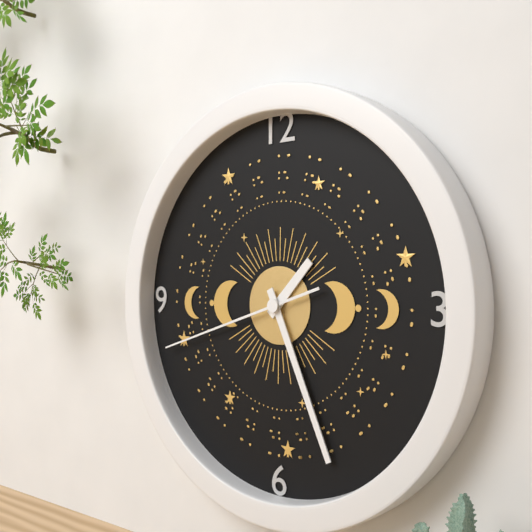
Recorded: 1 h 26 min 42 s
